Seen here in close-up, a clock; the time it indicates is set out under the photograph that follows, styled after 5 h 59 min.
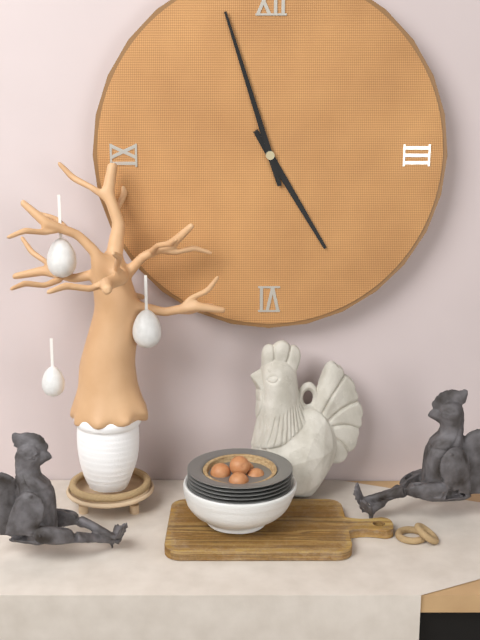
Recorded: 4 h 57 min
